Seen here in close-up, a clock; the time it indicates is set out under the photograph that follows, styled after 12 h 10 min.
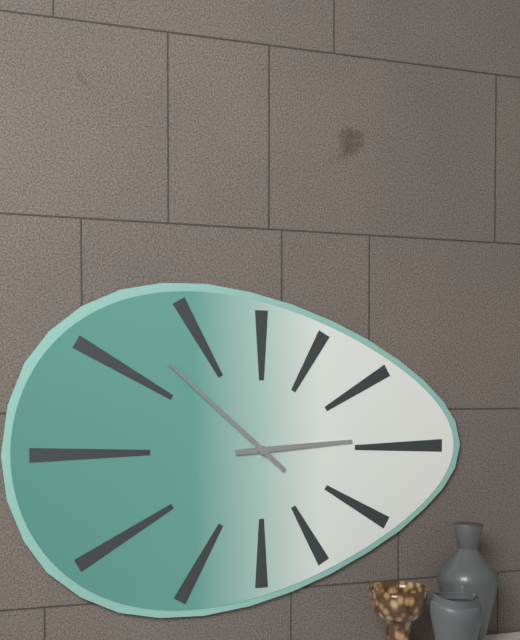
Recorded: 2 h 52 min
